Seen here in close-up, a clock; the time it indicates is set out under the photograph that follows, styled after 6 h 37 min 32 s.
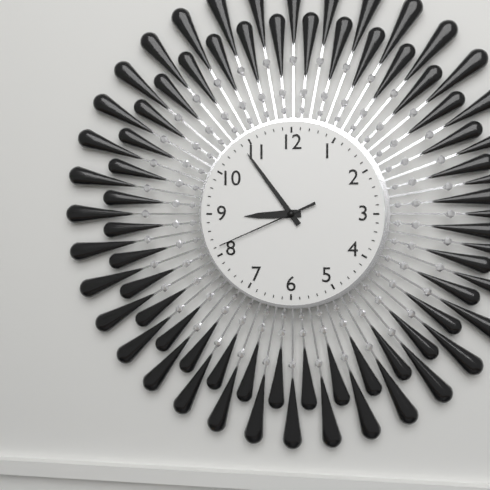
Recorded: 8 h 54 min 41 s
